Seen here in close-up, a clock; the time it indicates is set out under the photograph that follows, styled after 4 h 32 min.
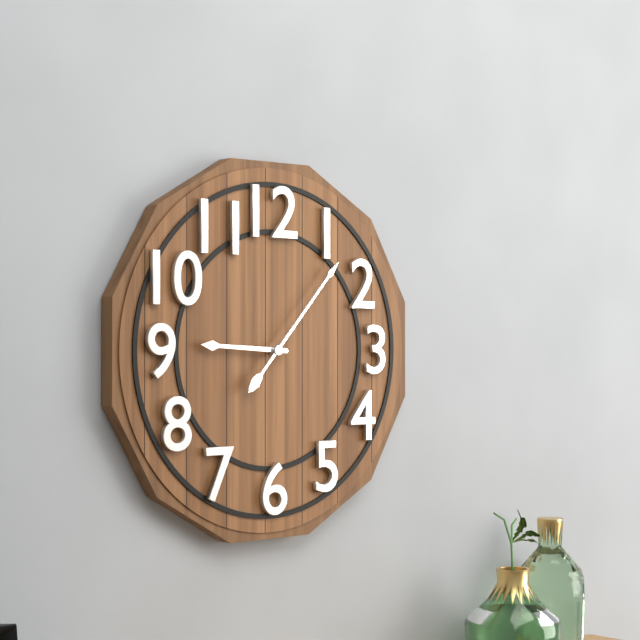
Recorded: 9 h 07 min
